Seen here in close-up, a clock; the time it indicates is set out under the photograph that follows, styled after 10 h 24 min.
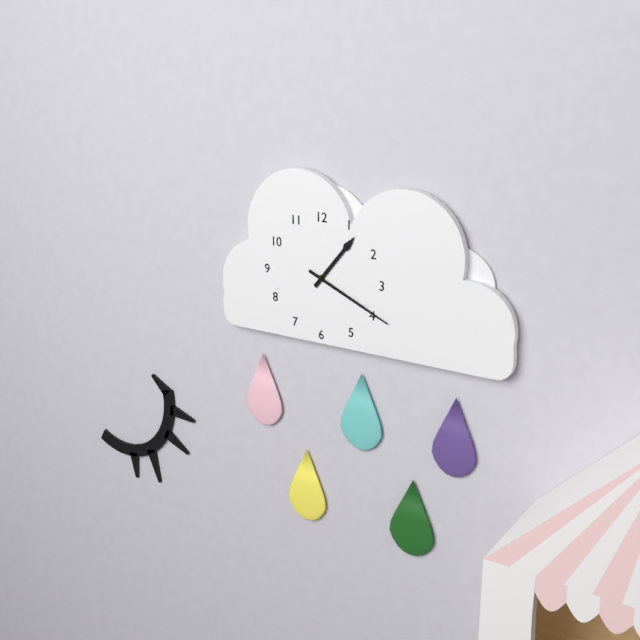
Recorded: 1 h 19 min
